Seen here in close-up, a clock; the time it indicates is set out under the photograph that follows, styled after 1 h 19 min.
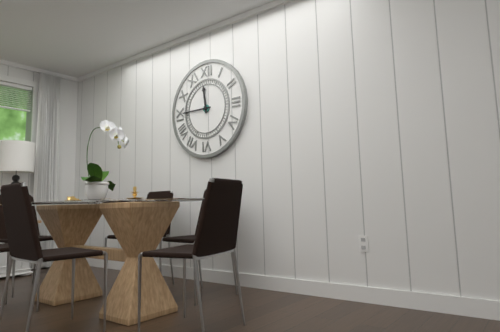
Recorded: 11 h 45 min
